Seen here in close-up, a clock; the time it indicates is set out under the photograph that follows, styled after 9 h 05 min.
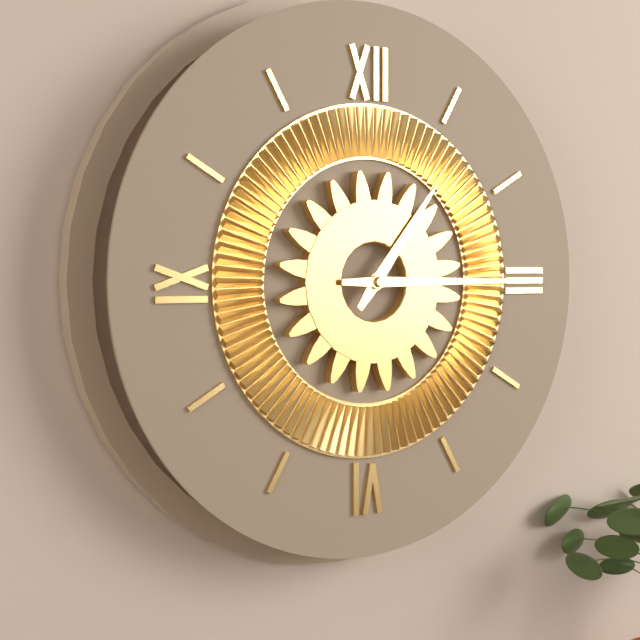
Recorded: 1 h 15 min
